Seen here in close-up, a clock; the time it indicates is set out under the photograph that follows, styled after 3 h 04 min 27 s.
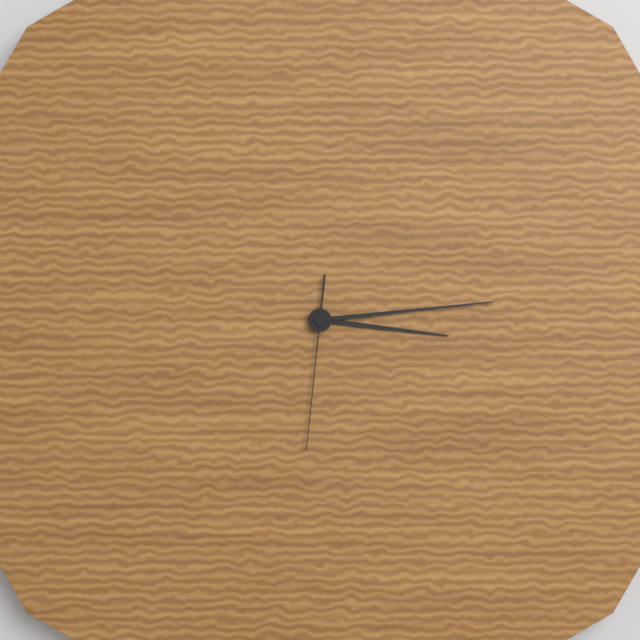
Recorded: 3 h 14 min 31 s
